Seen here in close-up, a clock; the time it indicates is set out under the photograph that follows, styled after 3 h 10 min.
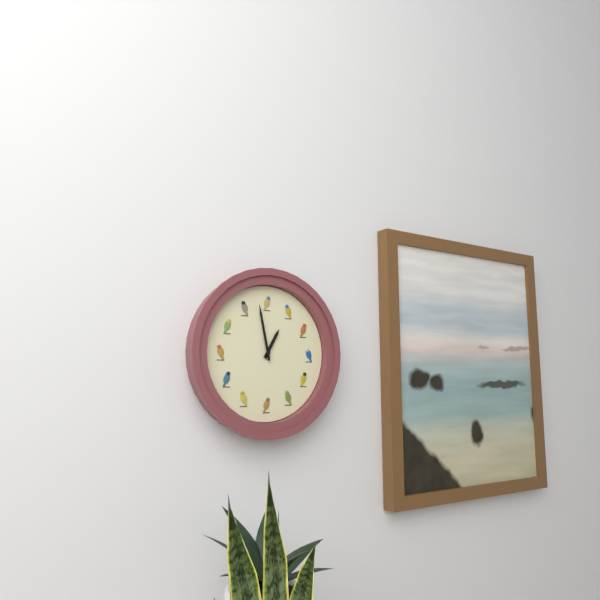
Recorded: 12 h 58 min
